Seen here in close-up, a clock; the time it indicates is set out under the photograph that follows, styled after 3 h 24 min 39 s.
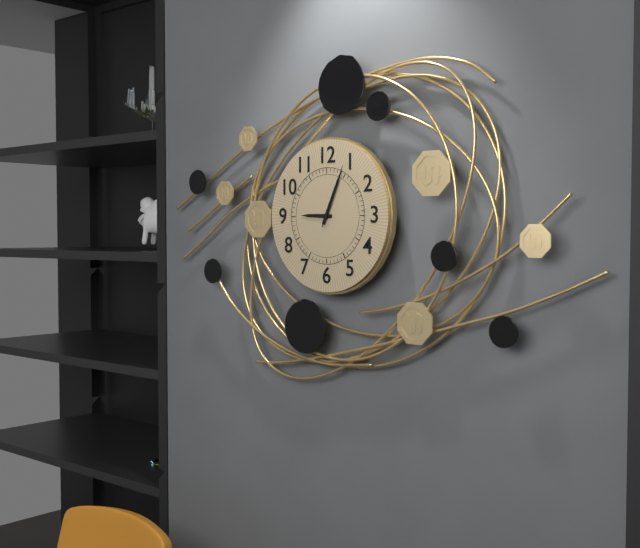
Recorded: 9 h 04 min 04 s
